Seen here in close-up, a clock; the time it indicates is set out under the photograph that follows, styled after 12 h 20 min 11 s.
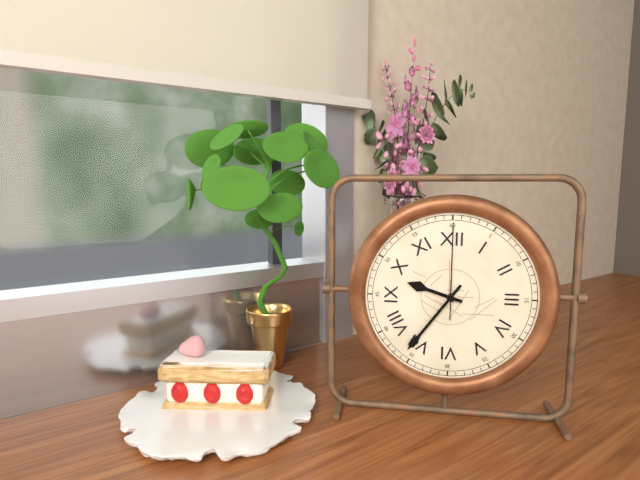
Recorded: 9 h 36 min 00 s
